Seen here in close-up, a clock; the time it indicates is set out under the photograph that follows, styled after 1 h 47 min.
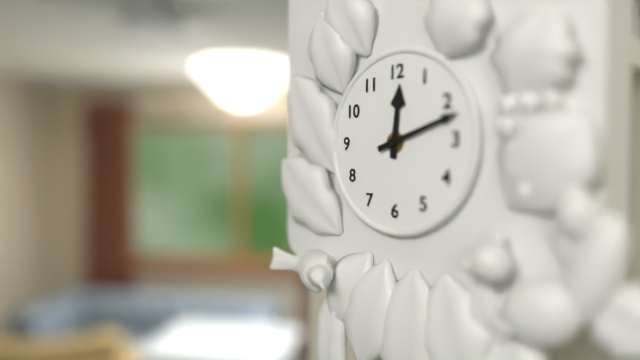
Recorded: 12 h 12 min
